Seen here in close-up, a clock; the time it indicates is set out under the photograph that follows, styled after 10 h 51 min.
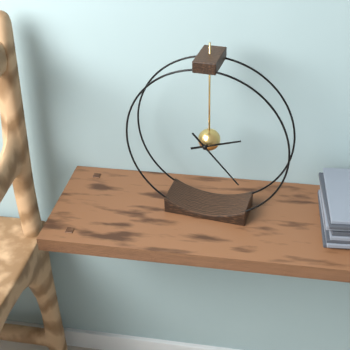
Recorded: 2 h 23 min
